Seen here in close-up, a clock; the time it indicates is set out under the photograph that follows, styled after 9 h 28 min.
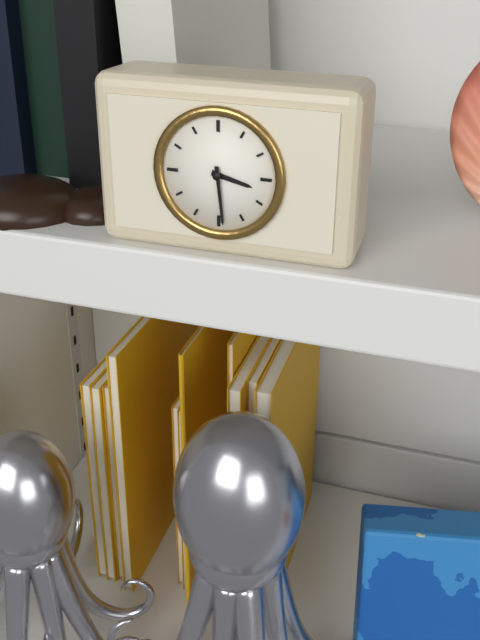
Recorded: 3 h 29 min
